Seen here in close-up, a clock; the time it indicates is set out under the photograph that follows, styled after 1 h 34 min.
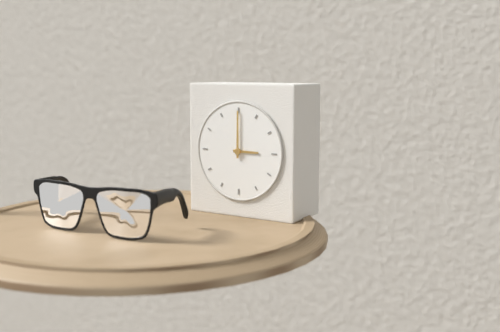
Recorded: 3 h 00 min
